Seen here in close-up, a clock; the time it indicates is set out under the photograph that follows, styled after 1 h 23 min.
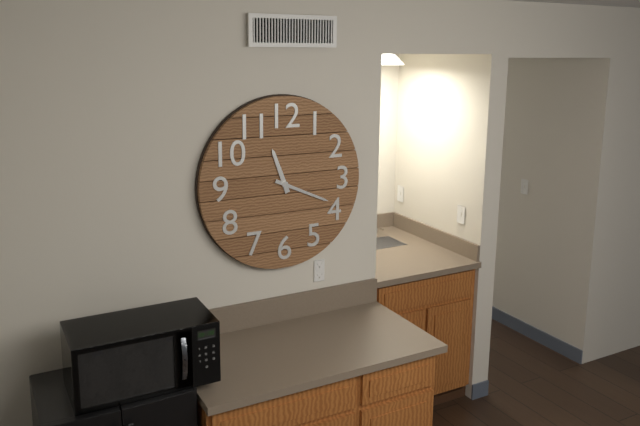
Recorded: 11 h 19 min
